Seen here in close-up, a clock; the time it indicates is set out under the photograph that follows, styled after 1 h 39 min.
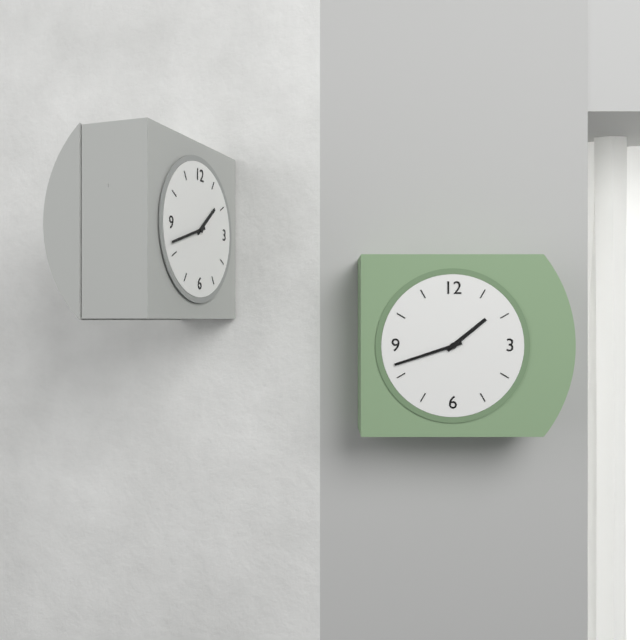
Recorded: 1 h 42 min
